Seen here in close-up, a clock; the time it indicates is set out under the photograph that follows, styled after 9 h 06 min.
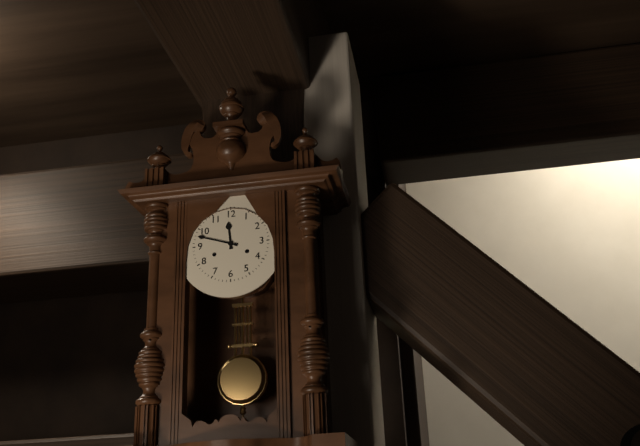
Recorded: 11 h 48 min
